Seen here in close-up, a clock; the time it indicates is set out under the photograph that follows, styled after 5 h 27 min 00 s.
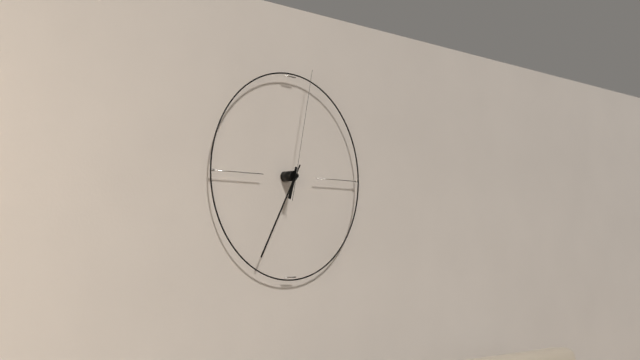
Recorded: 6 h 35 min 02 s
